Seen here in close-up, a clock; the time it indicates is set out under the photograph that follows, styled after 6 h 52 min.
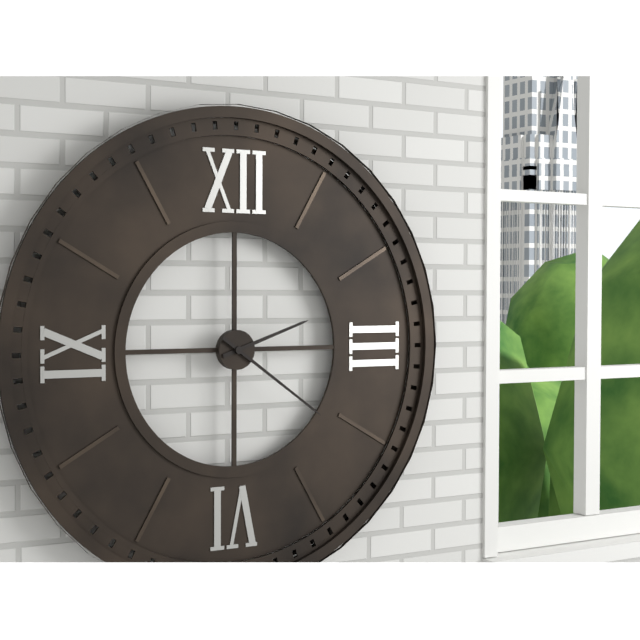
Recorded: 2 h 21 min
